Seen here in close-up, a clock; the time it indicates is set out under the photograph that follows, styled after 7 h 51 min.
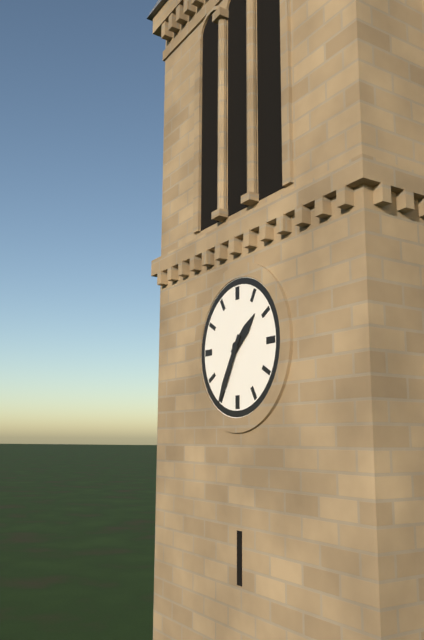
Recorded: 1 h 35 min
